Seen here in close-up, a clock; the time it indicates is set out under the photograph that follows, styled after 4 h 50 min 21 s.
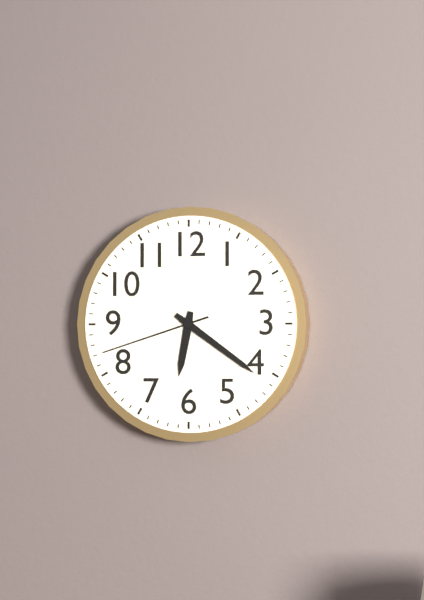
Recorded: 6 h 21 min 42 s
